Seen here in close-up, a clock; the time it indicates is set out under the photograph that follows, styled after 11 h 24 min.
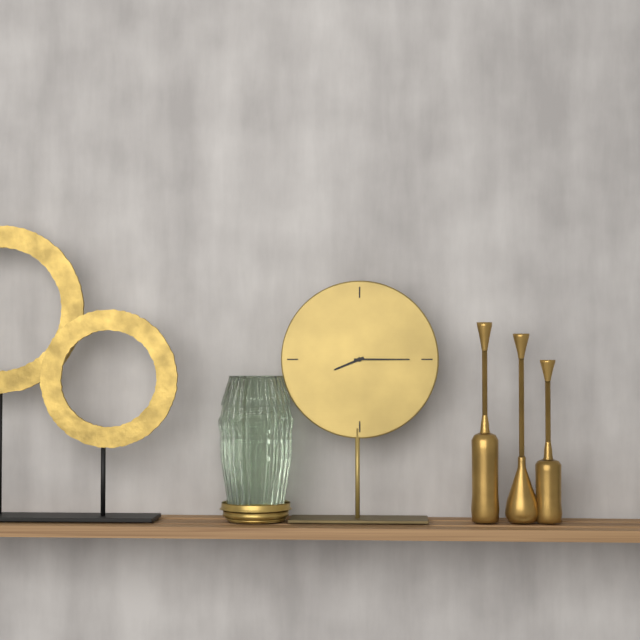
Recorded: 8 h 15 min
